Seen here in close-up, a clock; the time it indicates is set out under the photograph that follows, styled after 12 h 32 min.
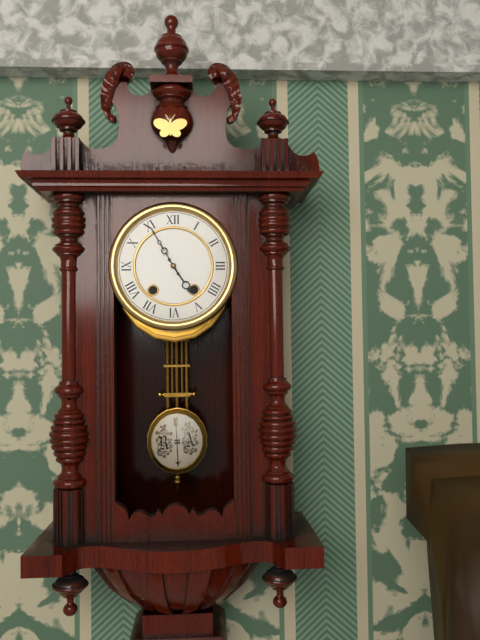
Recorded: 4 h 55 min
